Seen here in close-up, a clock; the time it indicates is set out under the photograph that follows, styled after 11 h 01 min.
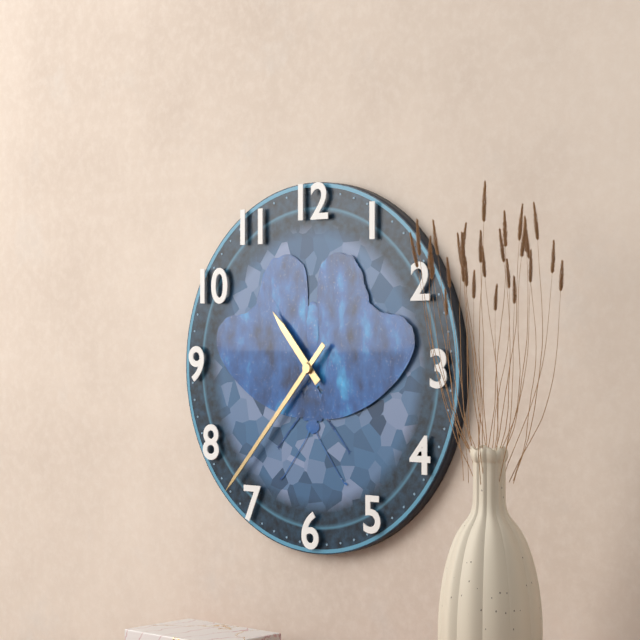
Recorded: 10 h 37 min
